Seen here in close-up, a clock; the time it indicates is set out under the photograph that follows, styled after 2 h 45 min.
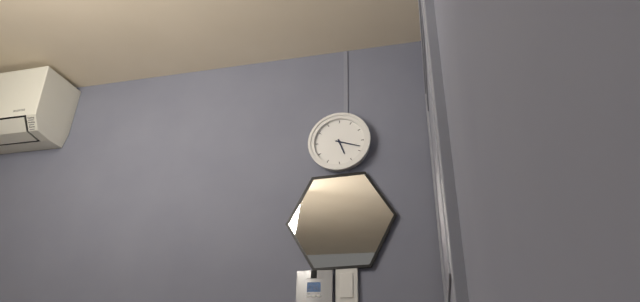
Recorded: 5 h 18 min
